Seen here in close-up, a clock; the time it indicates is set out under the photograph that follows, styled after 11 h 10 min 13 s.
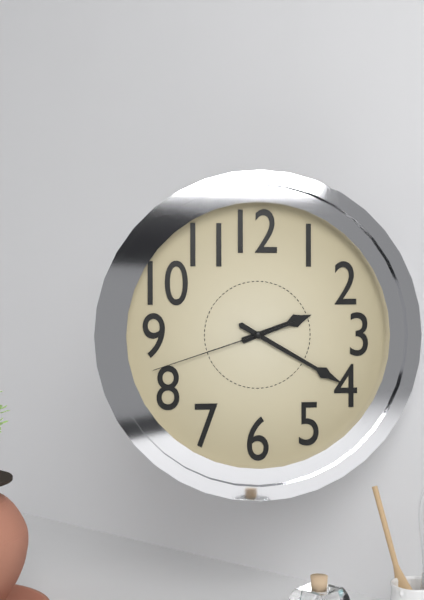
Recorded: 2 h 20 min 42 s
